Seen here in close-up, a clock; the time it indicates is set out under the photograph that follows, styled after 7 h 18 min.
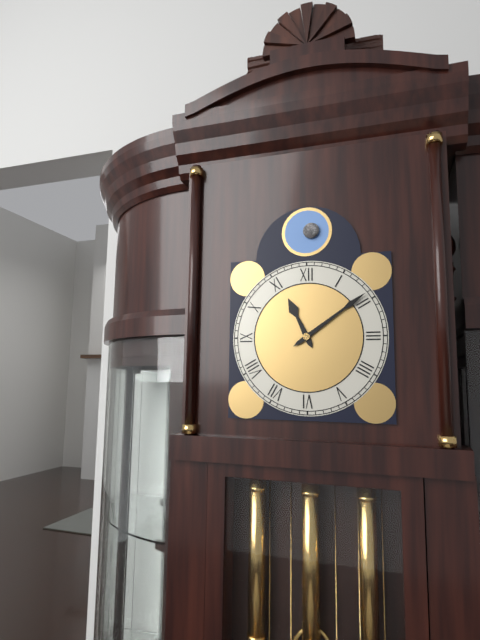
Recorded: 11 h 09 min
